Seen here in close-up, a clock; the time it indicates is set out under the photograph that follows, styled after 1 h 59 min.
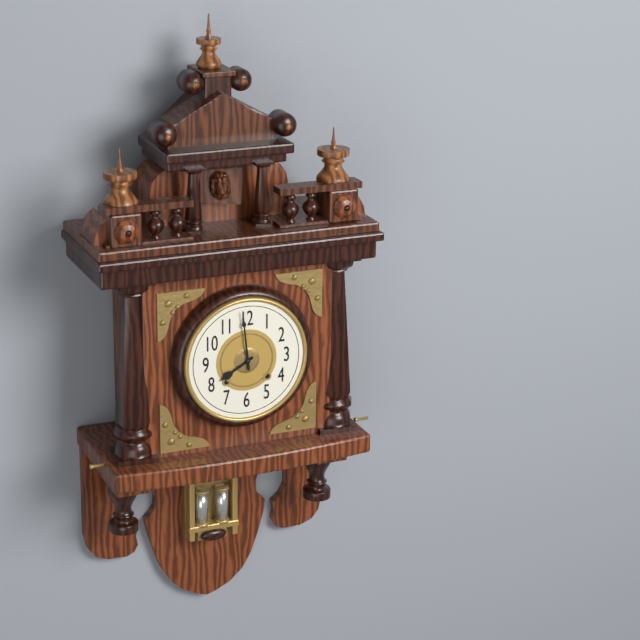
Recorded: 7 h 59 min
